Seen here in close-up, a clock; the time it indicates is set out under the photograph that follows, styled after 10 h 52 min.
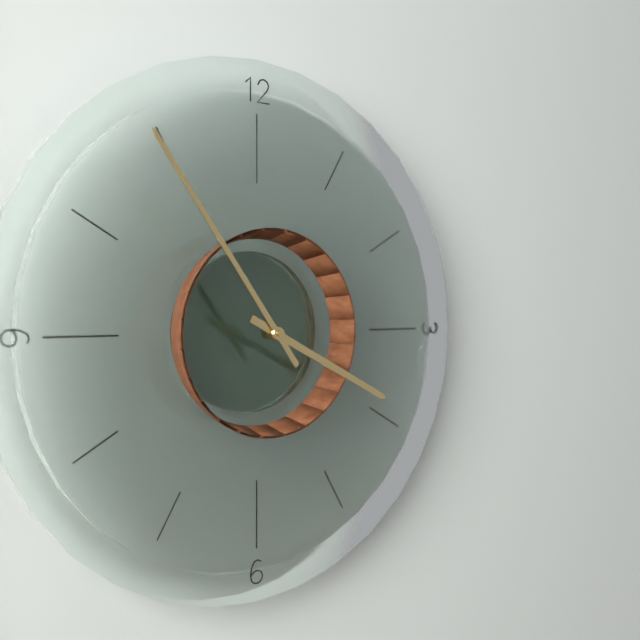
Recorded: 3 h 54 min
